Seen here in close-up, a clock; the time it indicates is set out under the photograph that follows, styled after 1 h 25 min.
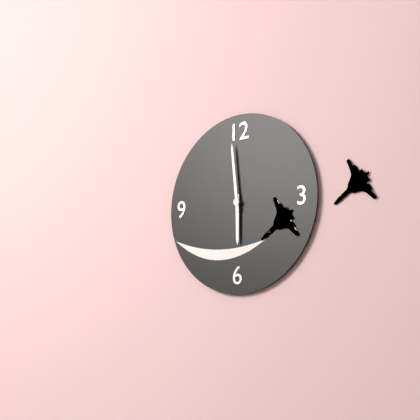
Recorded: 5 h 59 min
